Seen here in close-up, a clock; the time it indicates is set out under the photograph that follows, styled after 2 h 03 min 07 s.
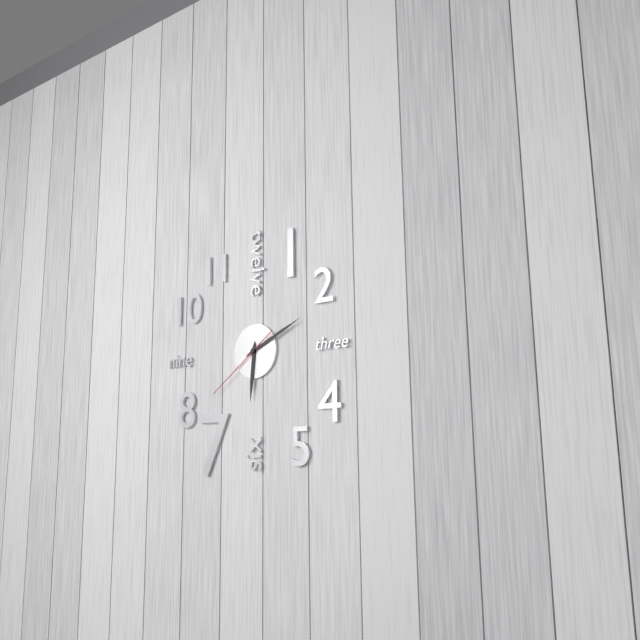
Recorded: 6 h 11 min 39 s
